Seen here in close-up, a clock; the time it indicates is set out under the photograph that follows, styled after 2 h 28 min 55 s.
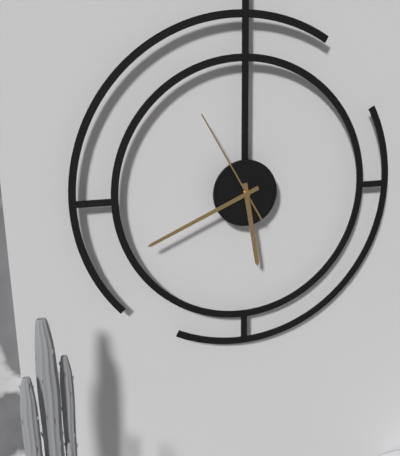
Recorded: 5 h 41 min 55 s
